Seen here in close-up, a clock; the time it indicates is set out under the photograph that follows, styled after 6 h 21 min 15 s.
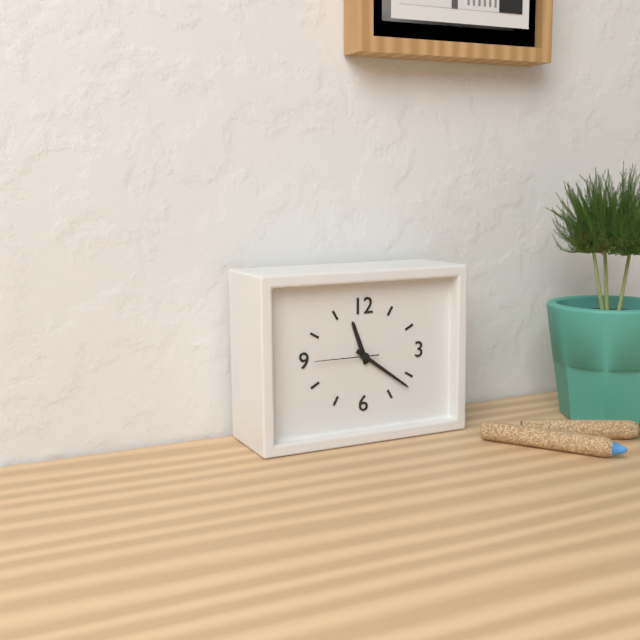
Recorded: 11 h 21 min 45 s
